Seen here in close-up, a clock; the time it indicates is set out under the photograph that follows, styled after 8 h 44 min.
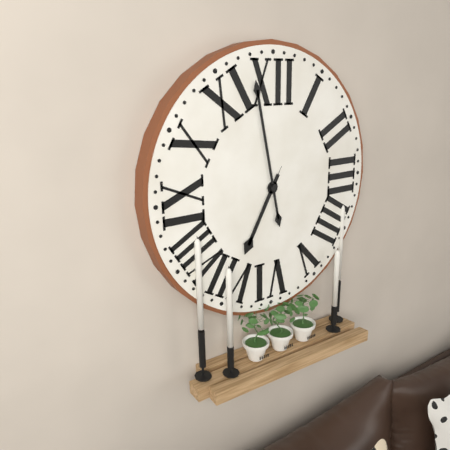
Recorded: 6 h 58 min
